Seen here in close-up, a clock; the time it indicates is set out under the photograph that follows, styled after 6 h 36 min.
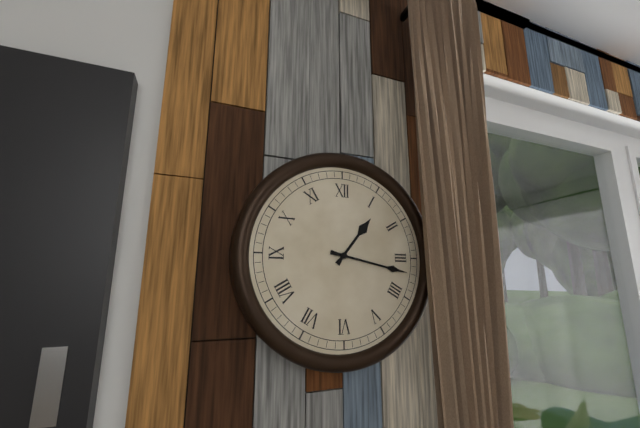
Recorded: 1 h 17 min
